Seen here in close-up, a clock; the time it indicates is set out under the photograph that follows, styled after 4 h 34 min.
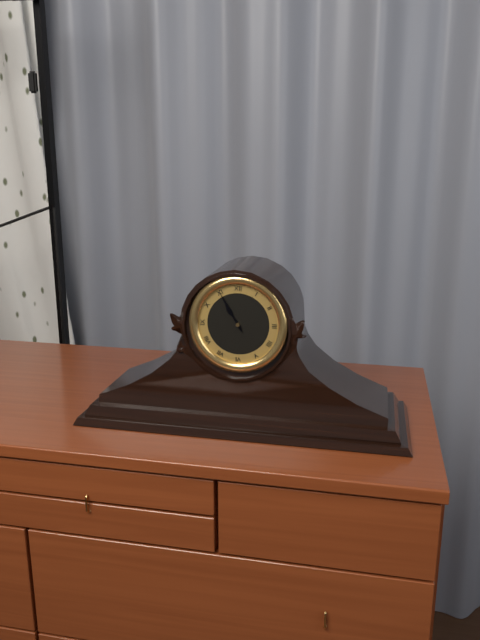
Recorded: 10 h 55 min
